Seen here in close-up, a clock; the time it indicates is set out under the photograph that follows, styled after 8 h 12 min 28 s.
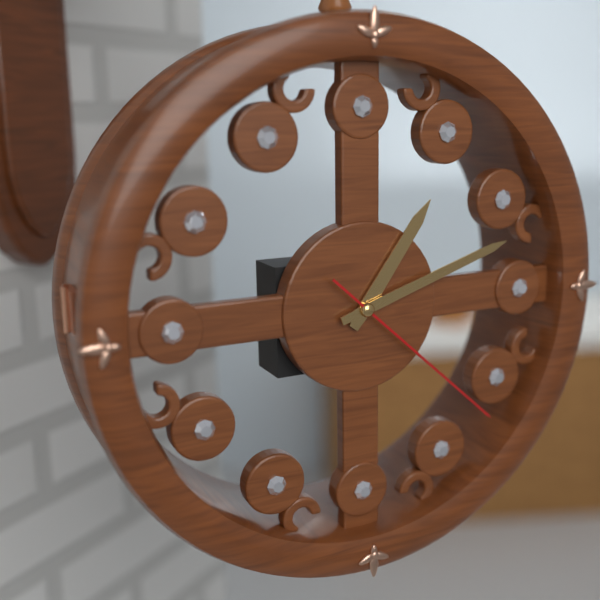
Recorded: 1 h 12 min 22 s
